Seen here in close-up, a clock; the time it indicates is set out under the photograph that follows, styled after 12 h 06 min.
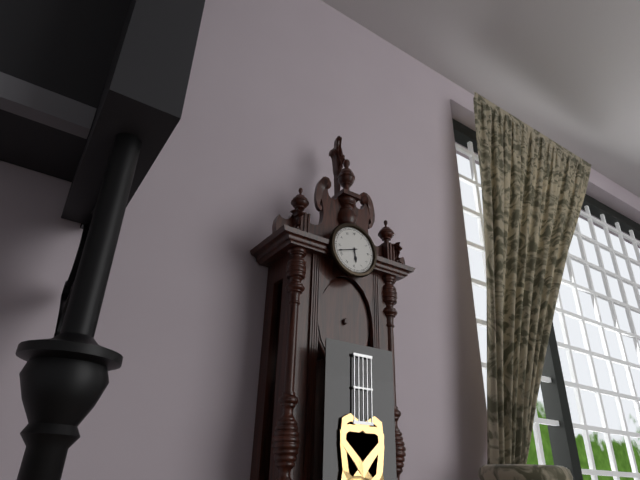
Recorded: 5 h 42 min
